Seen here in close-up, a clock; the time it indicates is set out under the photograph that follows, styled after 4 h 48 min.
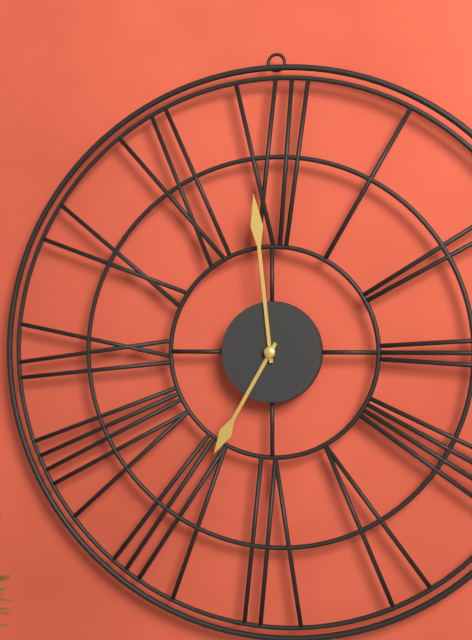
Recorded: 6 h 59 min
